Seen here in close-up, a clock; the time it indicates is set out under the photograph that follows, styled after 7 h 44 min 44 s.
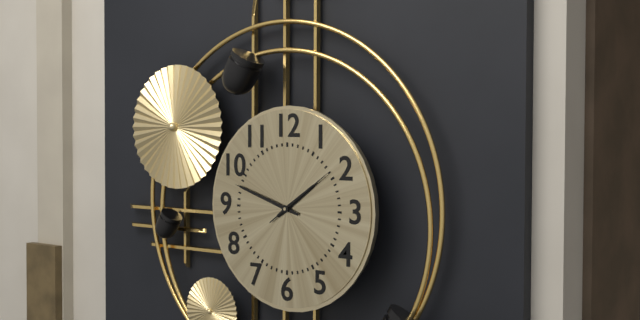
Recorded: 1 h 48 min 09 s
